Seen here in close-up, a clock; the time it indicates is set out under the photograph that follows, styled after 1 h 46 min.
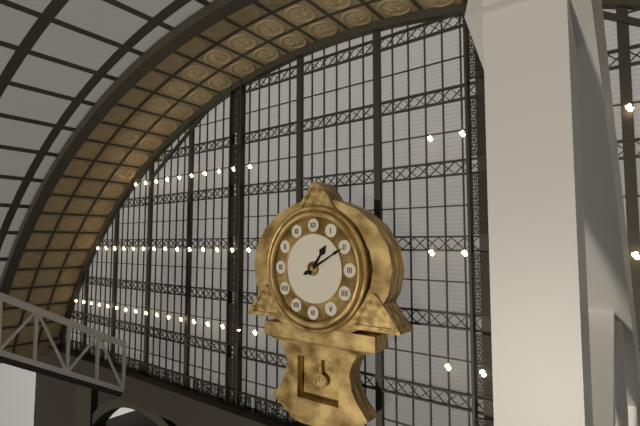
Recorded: 1 h 10 min
